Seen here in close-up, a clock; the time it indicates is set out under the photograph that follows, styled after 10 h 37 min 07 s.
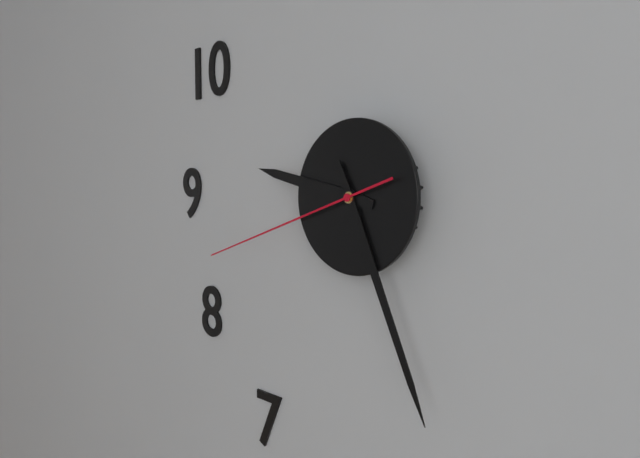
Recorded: 9 h 26 min 42 s
